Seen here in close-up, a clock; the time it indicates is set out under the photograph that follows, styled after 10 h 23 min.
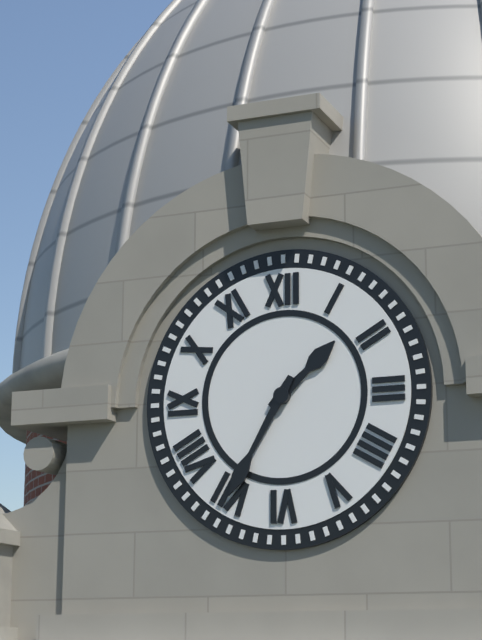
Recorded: 1 h 35 min
